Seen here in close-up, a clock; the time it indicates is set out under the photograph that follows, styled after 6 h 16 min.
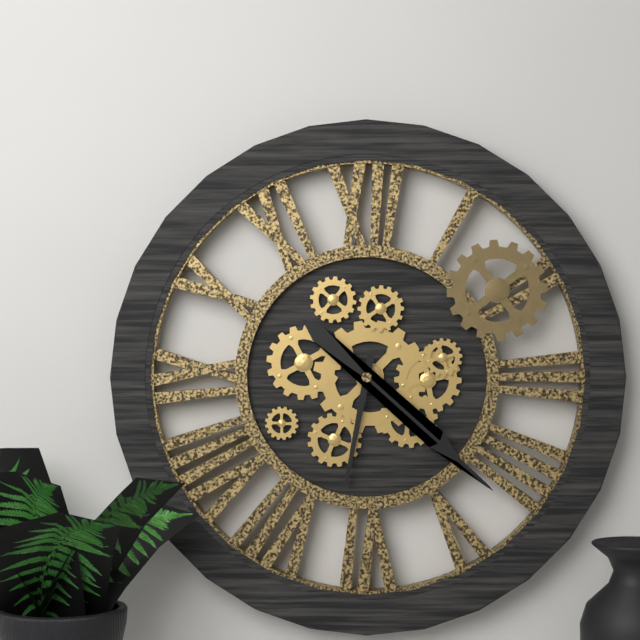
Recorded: 6 h 22 min
